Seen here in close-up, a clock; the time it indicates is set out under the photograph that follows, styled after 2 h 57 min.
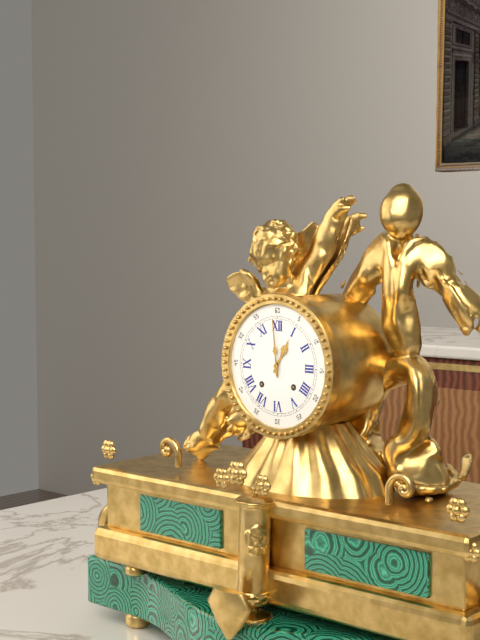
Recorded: 12 h 59 min
